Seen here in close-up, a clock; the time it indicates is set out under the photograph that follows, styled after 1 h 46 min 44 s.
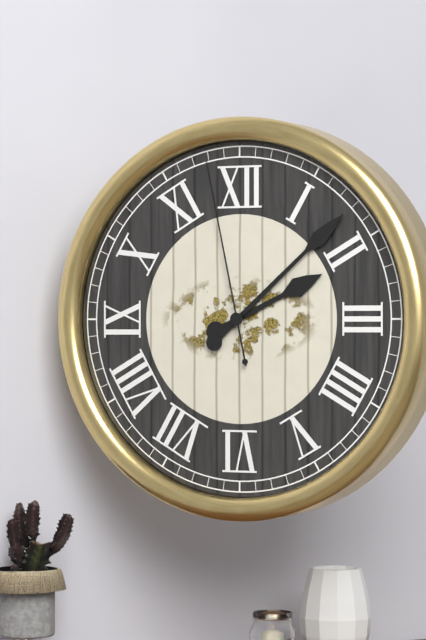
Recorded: 2 h 08 min 58 s
